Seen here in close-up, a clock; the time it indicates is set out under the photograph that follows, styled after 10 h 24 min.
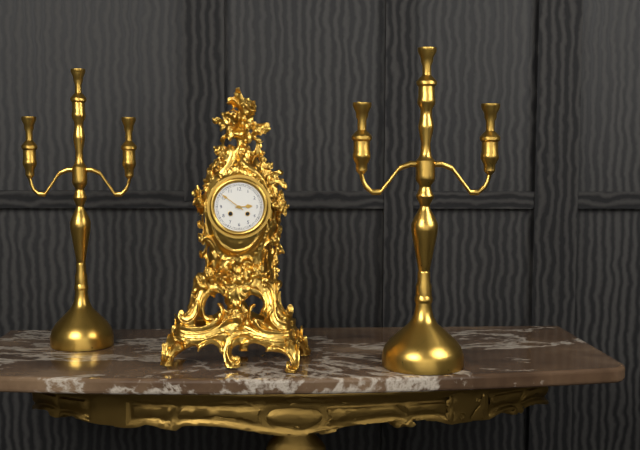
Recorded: 2 h 51 min
